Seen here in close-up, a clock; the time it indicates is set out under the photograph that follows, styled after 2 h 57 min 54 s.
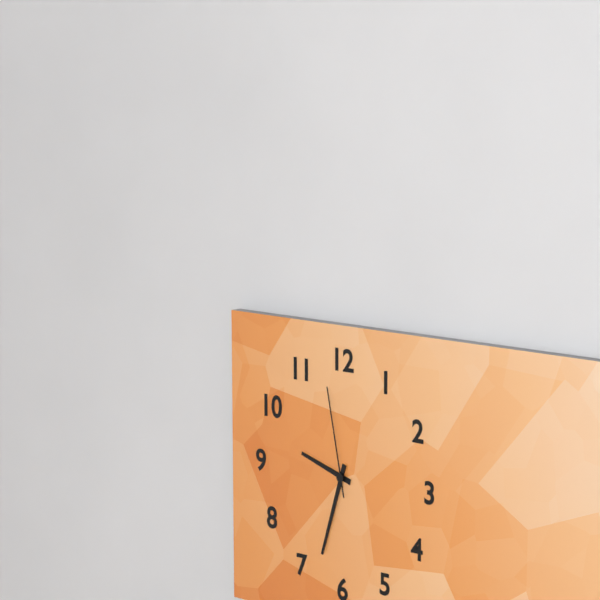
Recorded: 9 h 33 min 58 s
